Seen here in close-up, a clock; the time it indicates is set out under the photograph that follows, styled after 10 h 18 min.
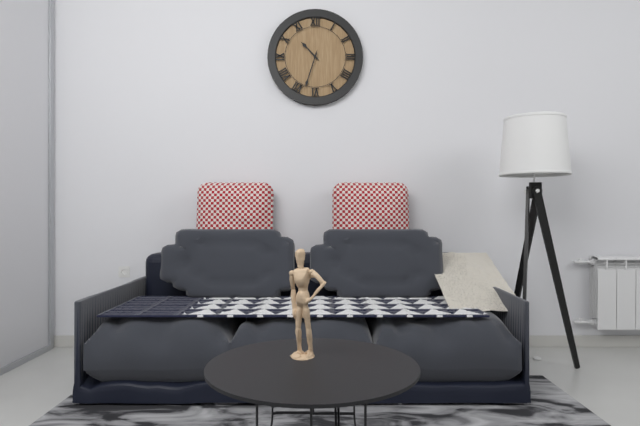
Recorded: 10 h 33 min
